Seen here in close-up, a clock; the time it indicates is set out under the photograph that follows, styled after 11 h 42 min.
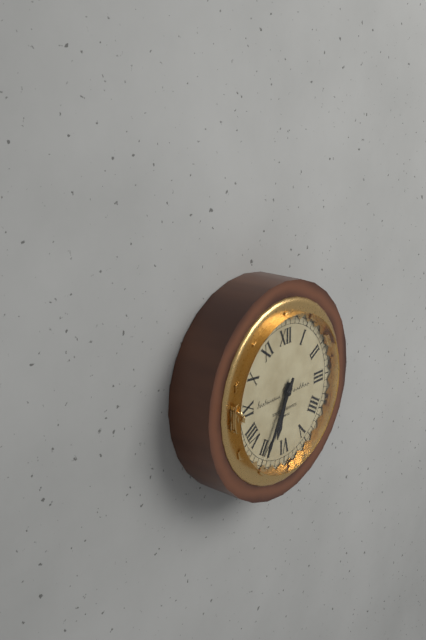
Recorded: 6 h 35 min
